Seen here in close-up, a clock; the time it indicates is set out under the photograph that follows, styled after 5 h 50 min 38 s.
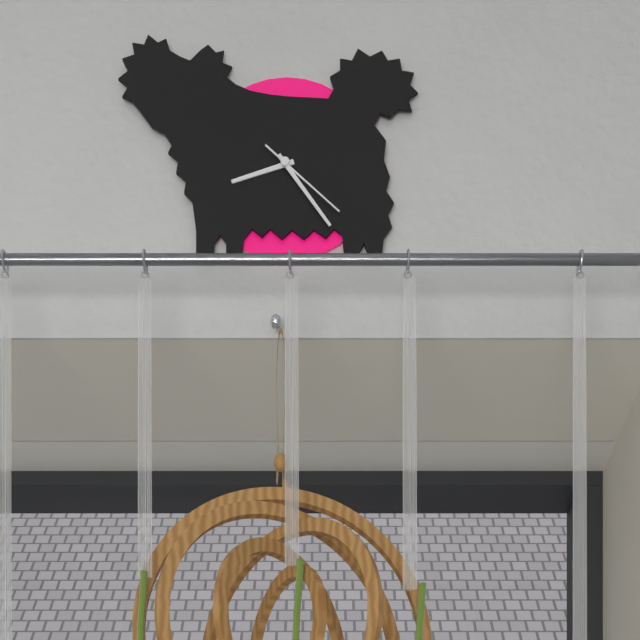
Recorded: 8 h 24 min 22 s
